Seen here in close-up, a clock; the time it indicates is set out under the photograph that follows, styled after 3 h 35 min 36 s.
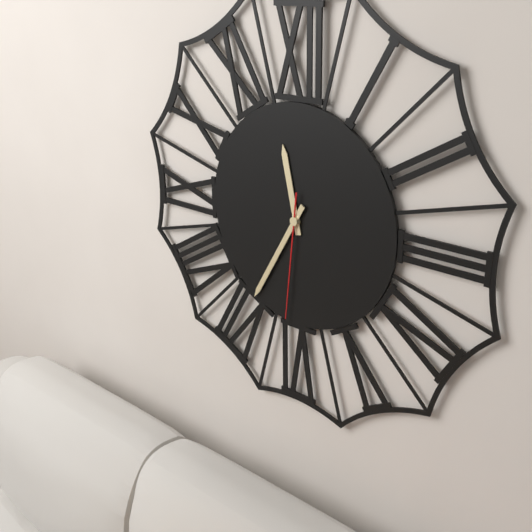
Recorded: 11 h 35 min 31 s
